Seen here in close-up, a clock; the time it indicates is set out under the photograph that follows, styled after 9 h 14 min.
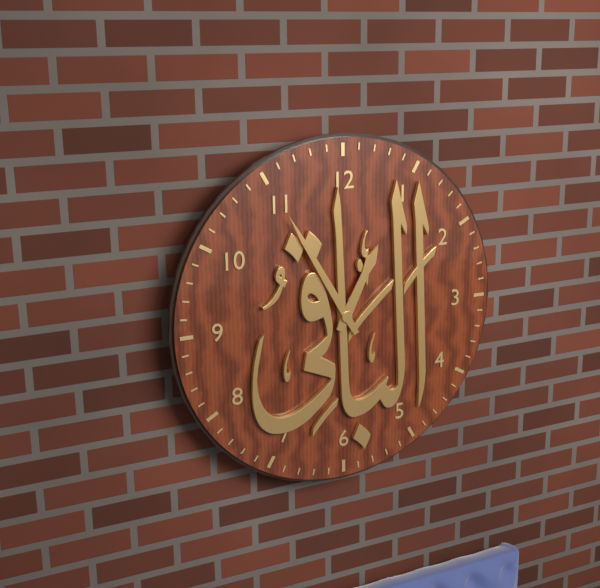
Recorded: 12 h 55 min
